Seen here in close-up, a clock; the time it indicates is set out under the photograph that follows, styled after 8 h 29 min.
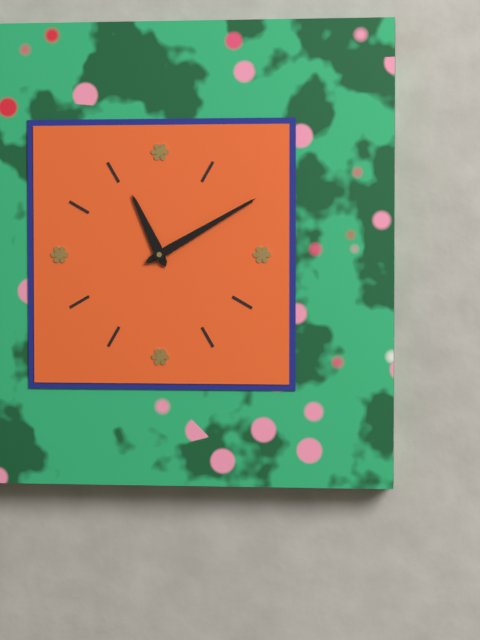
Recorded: 11 h 10 min
